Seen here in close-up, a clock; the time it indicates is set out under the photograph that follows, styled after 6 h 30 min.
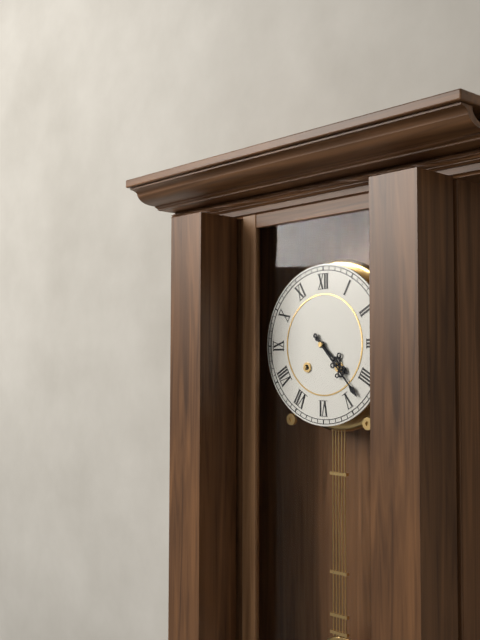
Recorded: 4 h 23 min
